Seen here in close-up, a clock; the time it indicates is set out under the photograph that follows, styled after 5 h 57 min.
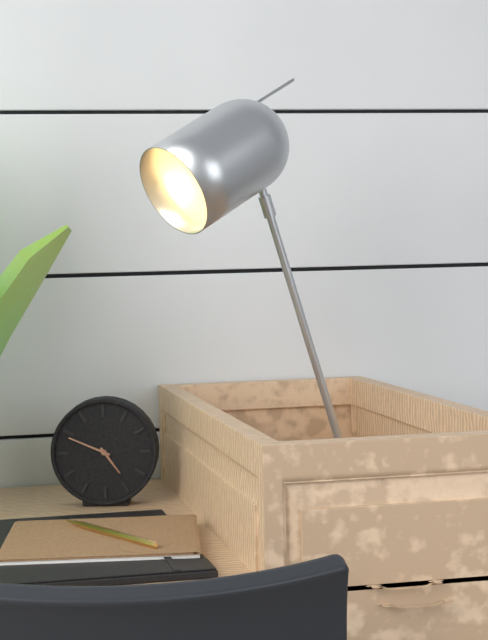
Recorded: 4 h 49 min
